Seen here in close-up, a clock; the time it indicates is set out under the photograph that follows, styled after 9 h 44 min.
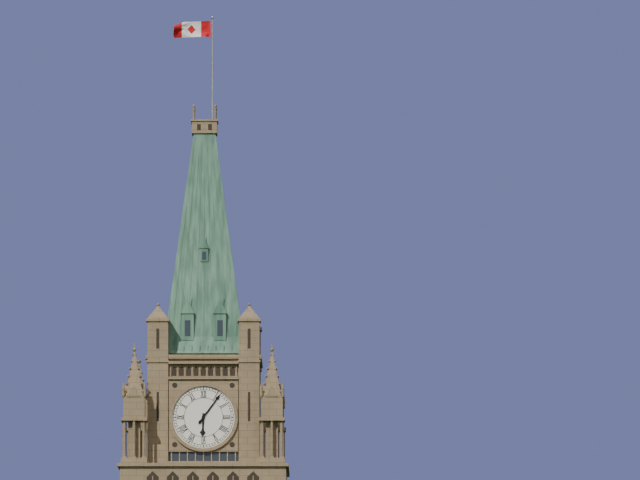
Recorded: 6 h 06 min
